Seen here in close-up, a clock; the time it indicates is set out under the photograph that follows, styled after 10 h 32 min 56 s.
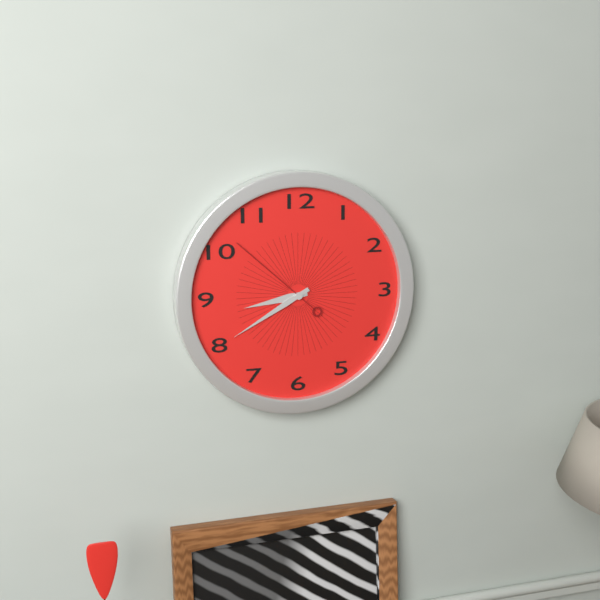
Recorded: 8 h 40 min 52 s
